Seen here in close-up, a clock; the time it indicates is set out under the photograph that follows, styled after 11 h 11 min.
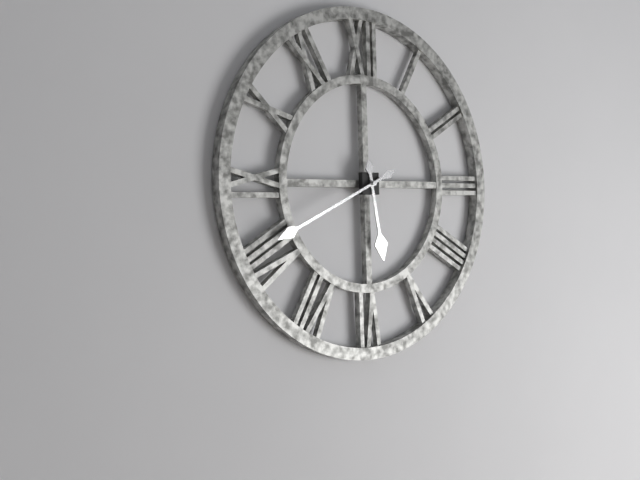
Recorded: 5 h 41 min
